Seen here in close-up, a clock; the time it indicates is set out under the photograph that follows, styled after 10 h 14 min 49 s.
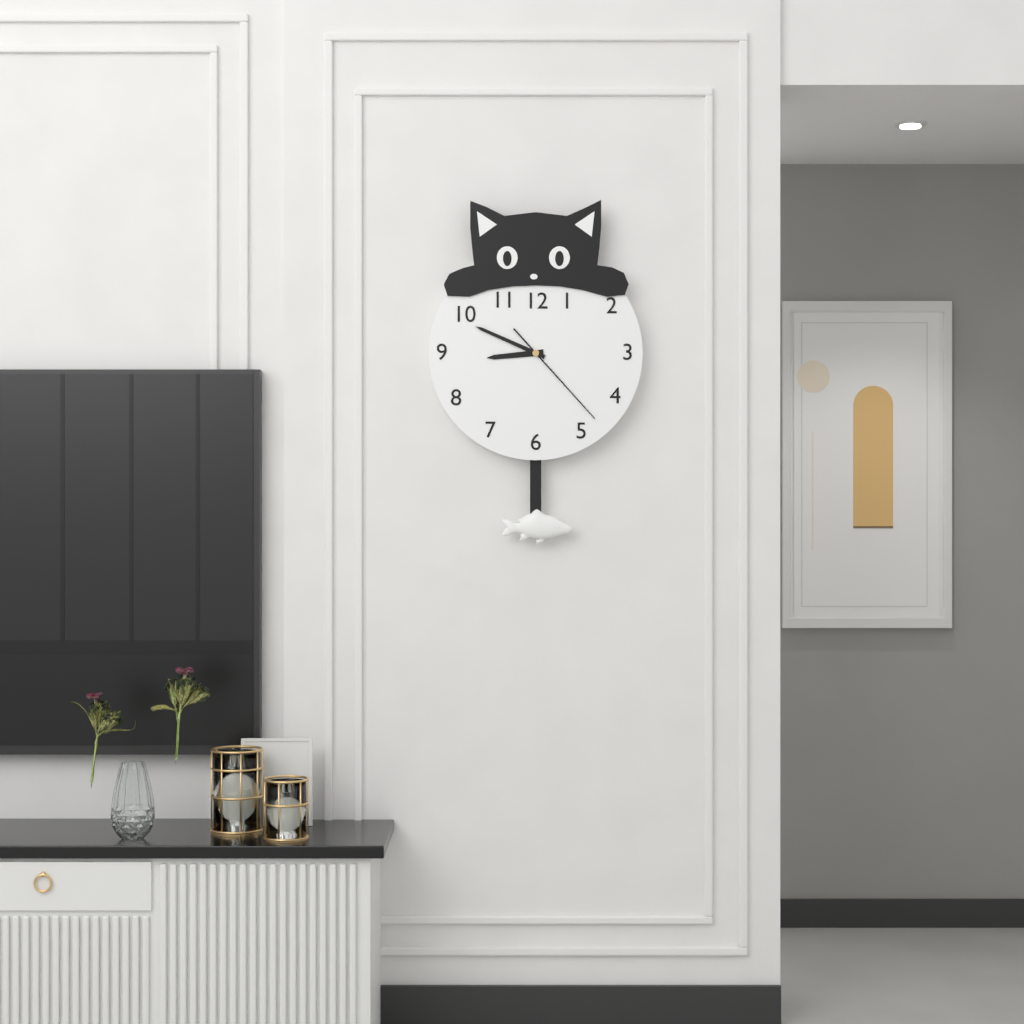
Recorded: 8 h 49 min 23 s
